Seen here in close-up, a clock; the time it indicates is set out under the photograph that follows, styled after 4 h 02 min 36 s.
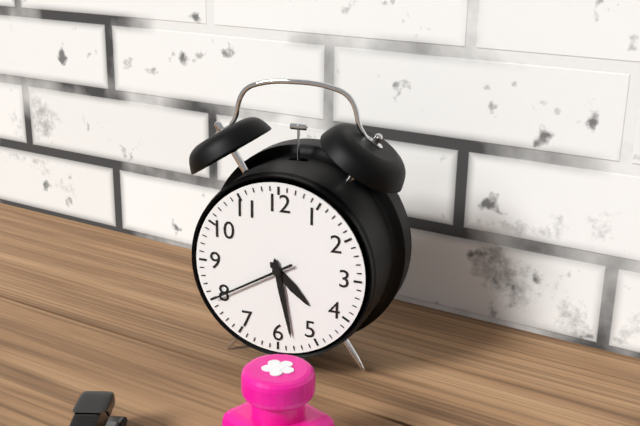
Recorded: 4 h 28 min 40 s
